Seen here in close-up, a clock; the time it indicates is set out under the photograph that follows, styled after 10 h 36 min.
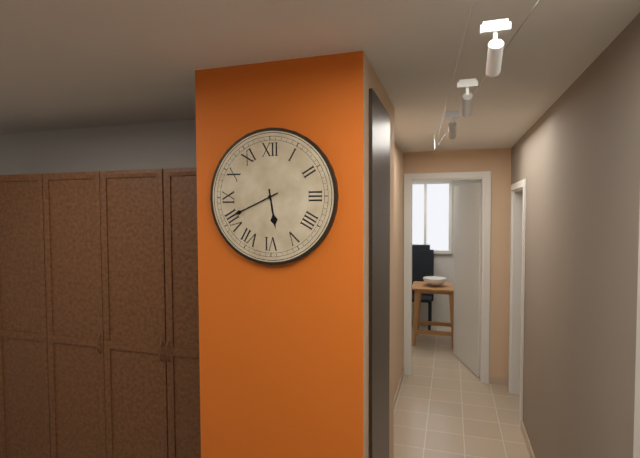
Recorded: 5 h 41 min
